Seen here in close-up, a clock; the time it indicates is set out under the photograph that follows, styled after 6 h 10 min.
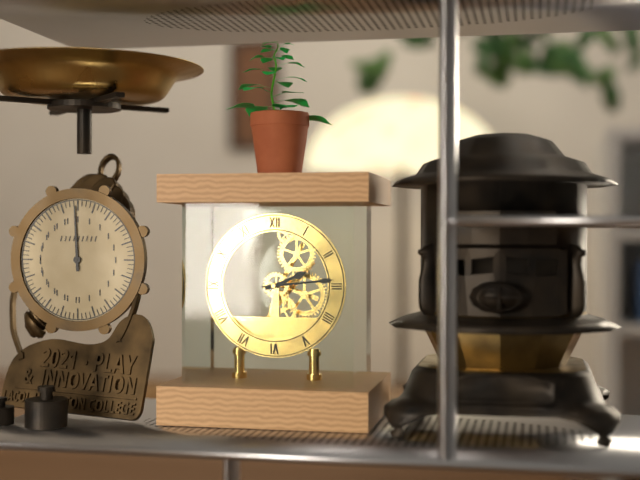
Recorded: 2 h 14 min
